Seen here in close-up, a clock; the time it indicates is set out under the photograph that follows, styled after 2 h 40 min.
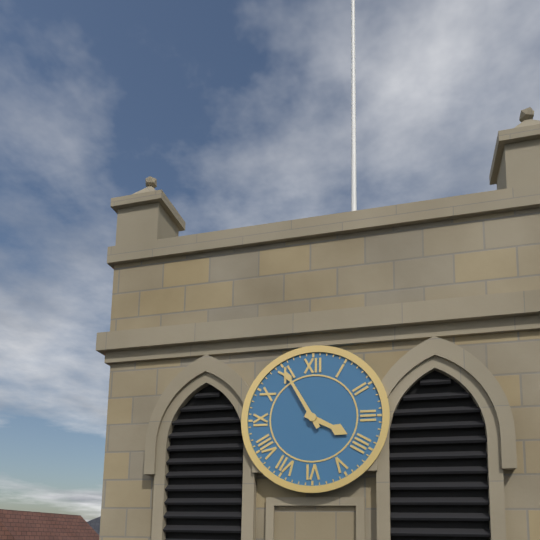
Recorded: 3 h 55 min
